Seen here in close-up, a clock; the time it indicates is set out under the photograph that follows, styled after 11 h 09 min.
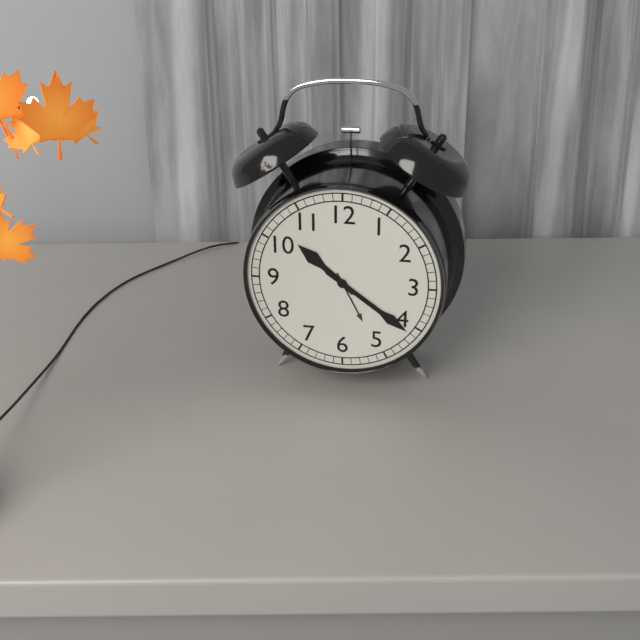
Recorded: 10 h 21 min
